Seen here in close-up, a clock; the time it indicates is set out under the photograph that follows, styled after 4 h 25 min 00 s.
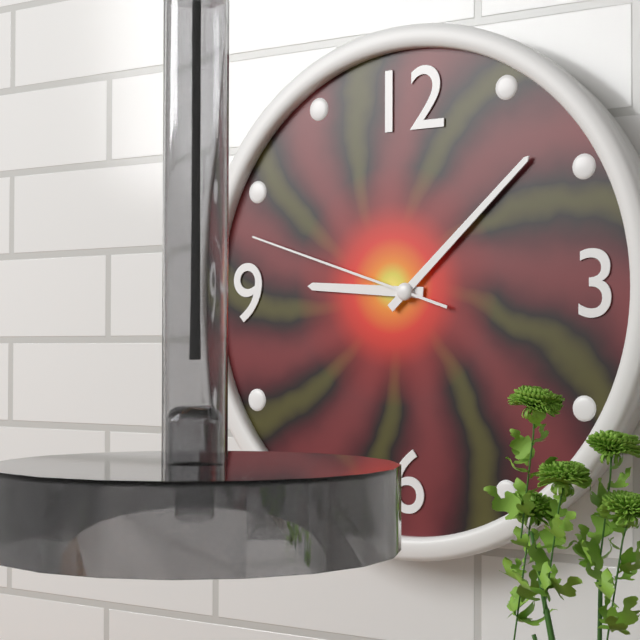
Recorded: 9 h 08 min 48 s
